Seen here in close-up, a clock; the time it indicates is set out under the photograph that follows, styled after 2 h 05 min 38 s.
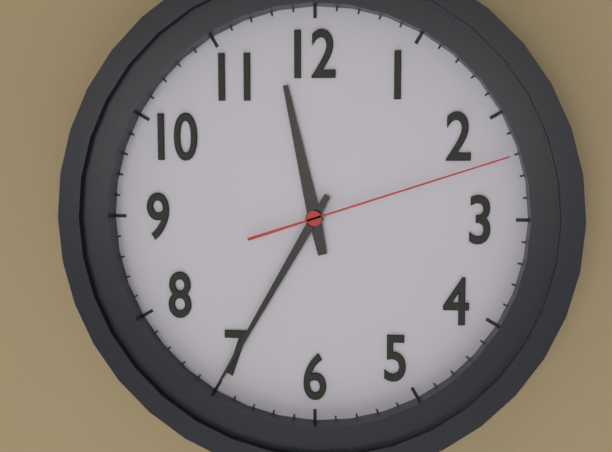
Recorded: 11 h 35 min 12 s
